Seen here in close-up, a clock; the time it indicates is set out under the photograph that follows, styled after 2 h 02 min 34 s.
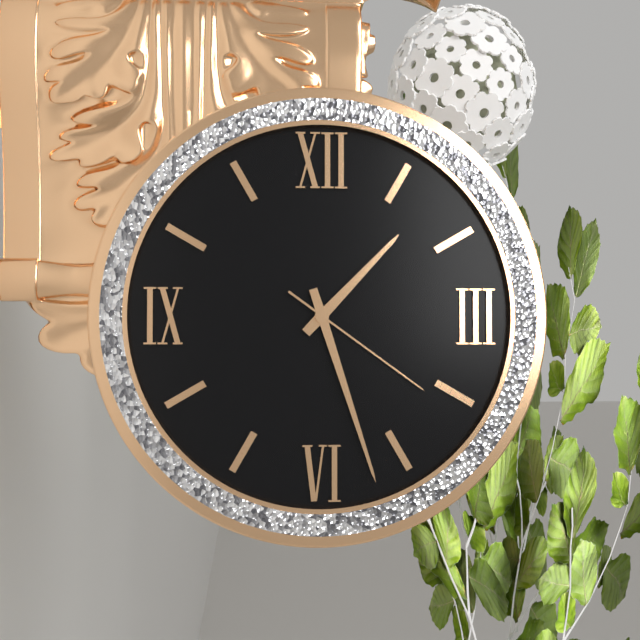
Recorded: 1 h 27 min 21 s
